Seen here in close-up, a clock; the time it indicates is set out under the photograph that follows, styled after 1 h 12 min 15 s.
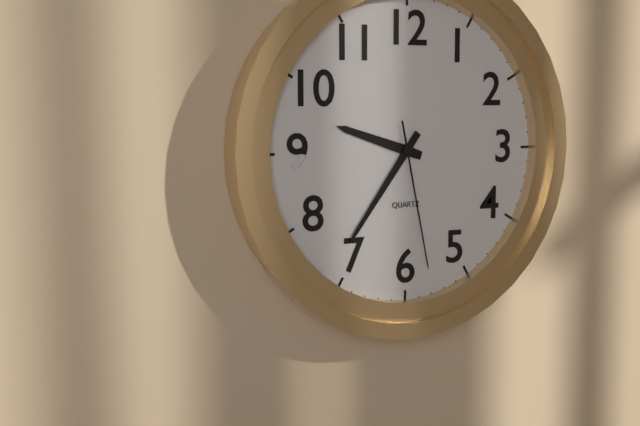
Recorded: 9 h 36 min 28 s
